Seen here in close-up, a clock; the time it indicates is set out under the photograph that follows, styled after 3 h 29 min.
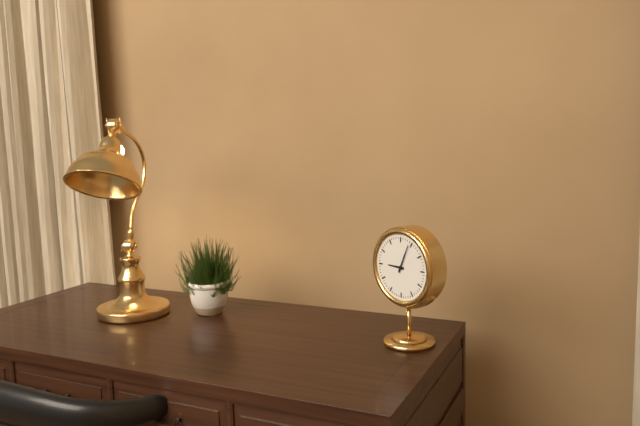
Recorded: 9 h 04 min
